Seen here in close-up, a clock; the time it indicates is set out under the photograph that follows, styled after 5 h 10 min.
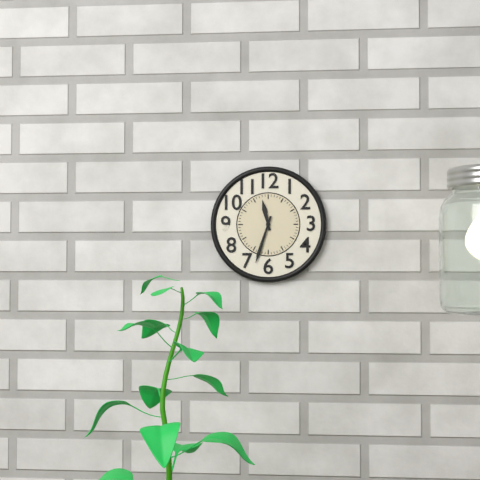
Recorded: 11 h 33 min
